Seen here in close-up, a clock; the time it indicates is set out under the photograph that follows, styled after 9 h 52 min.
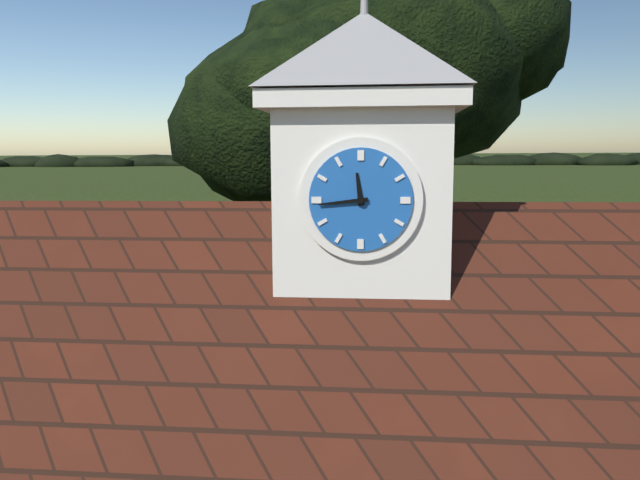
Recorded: 11 h 44 min
